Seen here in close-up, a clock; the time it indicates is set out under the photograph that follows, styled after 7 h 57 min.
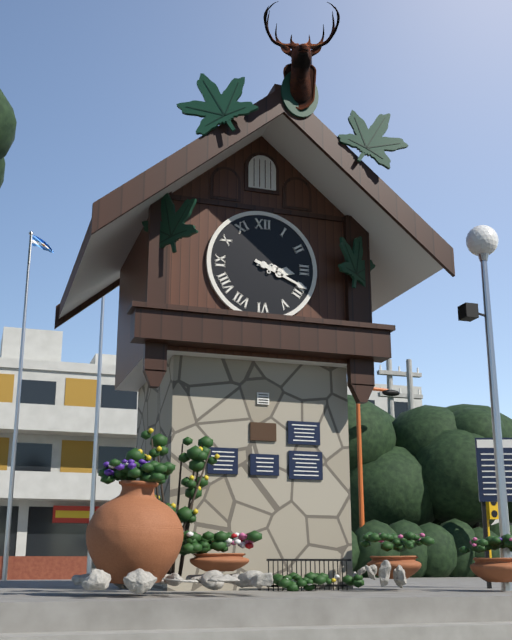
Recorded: 3 h 19 min
